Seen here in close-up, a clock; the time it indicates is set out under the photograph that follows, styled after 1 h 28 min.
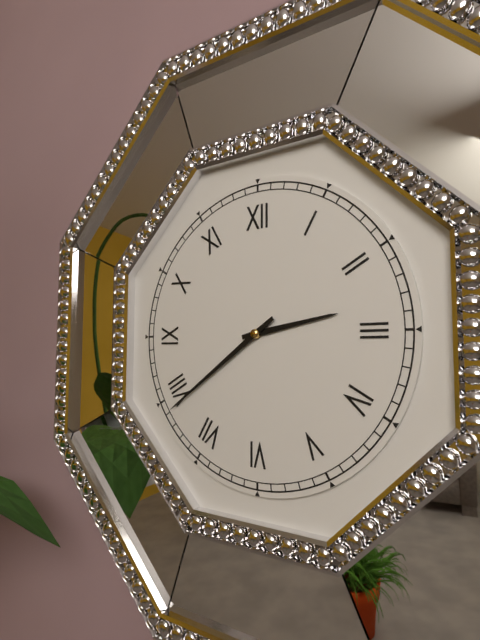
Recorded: 2 h 39 min
